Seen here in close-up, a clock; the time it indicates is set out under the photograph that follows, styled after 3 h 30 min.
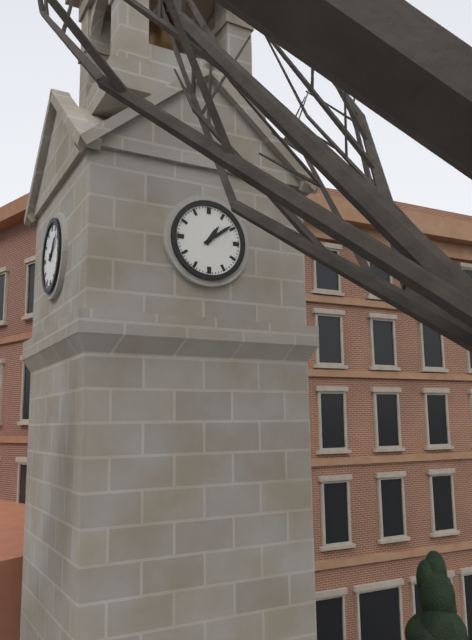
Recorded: 1 h 09 min
